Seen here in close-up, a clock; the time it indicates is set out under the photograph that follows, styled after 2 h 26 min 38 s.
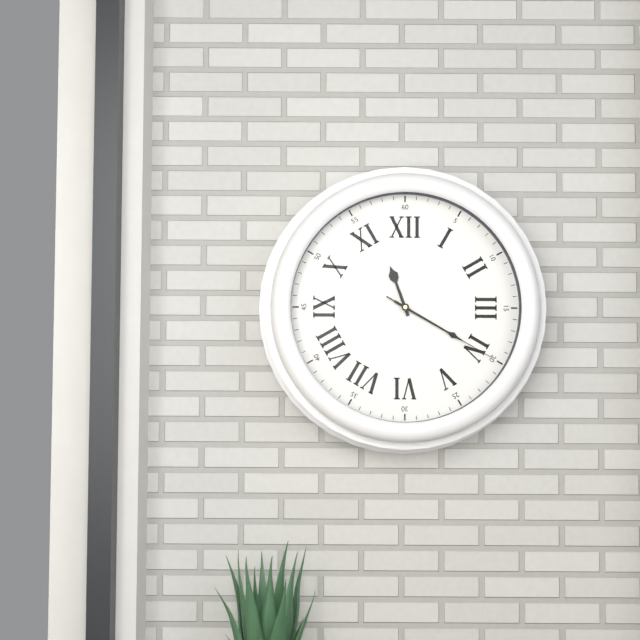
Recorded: 11 h 20 min 20 s
